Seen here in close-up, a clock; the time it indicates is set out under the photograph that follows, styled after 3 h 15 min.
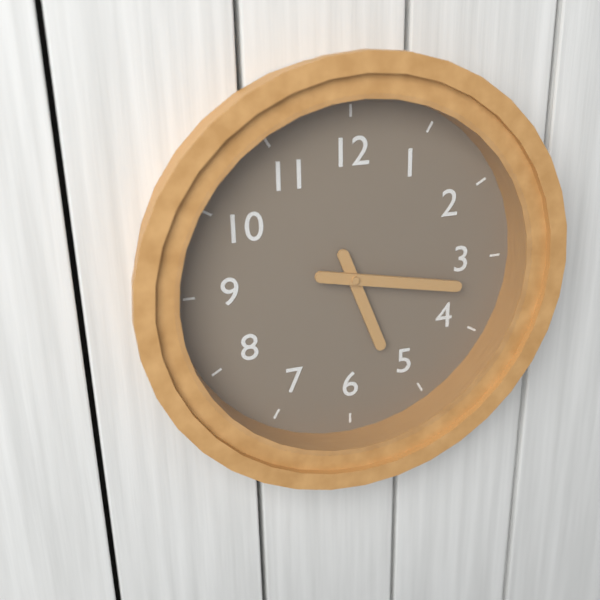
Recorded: 5 h 17 min
